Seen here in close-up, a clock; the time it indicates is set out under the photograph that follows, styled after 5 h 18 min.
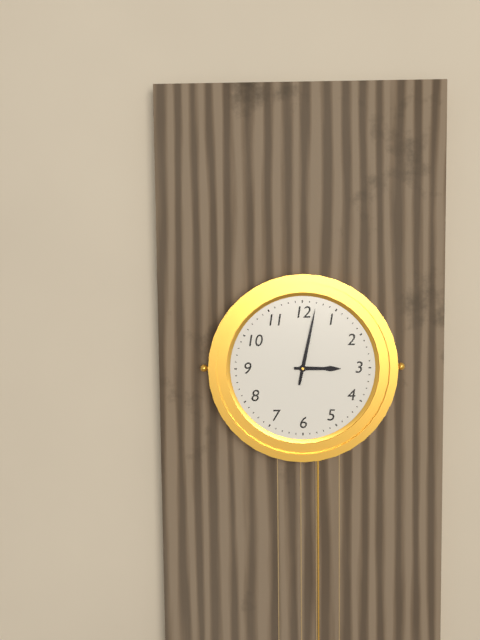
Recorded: 3 h 02 min
